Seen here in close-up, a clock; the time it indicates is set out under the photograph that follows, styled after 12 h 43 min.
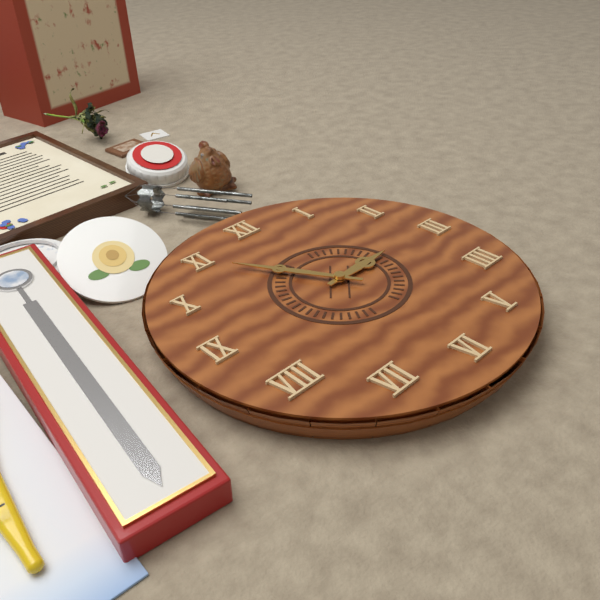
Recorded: 2 h 55 min
